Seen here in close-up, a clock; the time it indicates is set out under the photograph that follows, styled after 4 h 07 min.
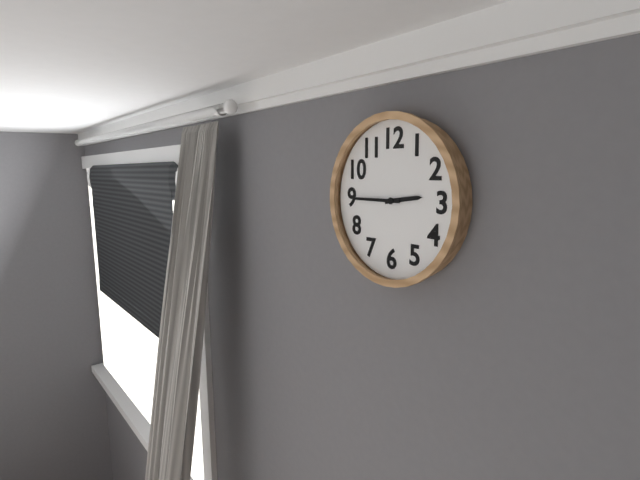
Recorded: 2 h 45 min
